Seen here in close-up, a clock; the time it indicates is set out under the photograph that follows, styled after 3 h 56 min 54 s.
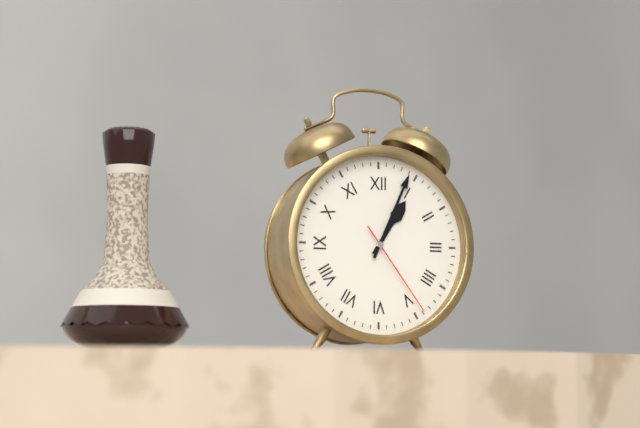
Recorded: 1 h 04 min 24 s
